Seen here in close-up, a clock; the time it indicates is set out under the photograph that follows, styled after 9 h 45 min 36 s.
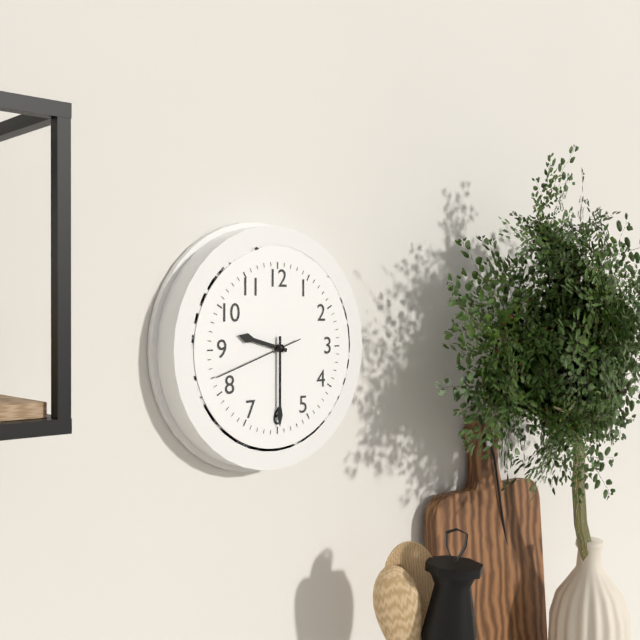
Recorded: 9 h 30 min 42 s
